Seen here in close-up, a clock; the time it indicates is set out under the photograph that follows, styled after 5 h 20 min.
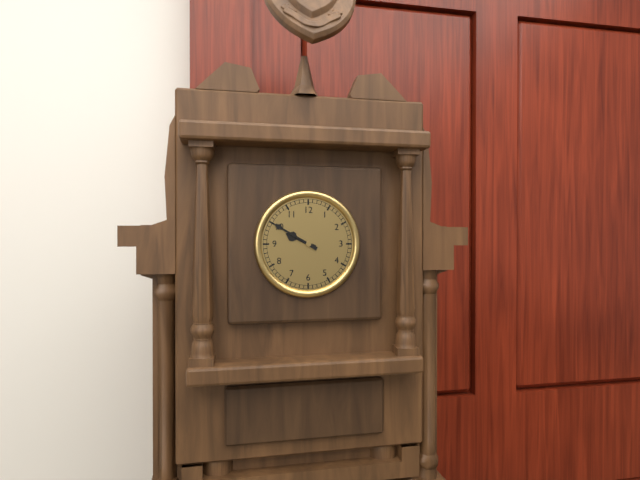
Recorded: 9 h 50 min
